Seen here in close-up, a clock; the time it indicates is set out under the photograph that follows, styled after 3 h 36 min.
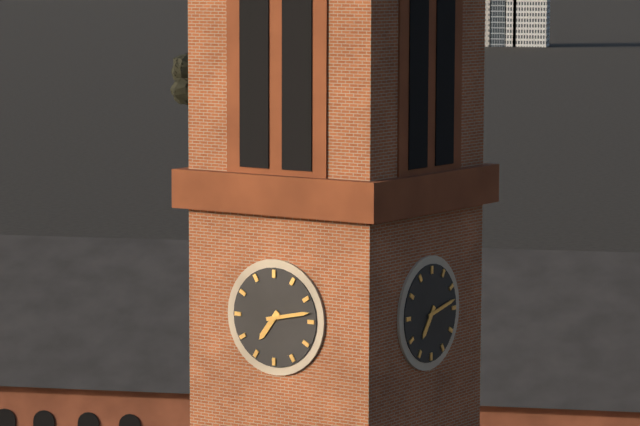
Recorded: 7 h 13 min
